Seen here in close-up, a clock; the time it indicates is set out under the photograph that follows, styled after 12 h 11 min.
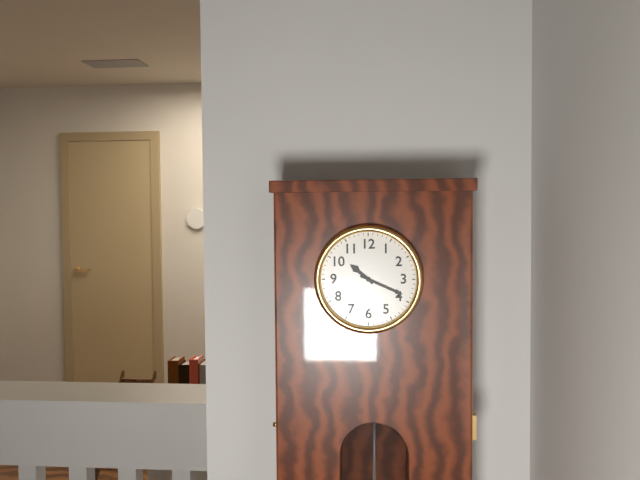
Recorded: 10 h 19 min
